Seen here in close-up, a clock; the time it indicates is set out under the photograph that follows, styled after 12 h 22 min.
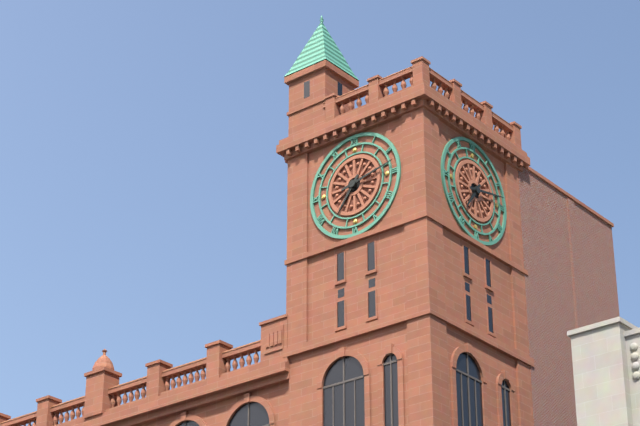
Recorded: 7 h 13 min
